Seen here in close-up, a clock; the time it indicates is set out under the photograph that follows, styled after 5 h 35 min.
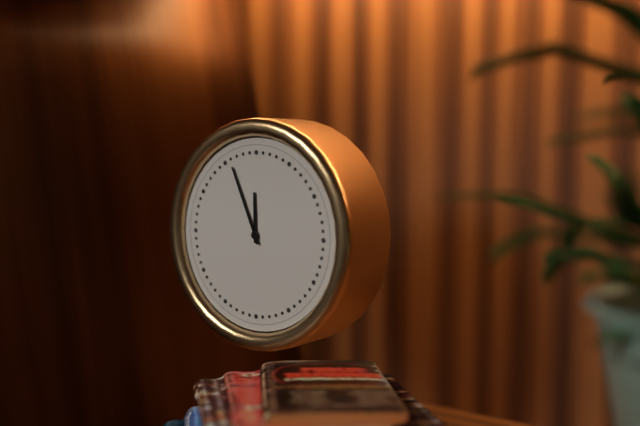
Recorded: 11 h 56 min
